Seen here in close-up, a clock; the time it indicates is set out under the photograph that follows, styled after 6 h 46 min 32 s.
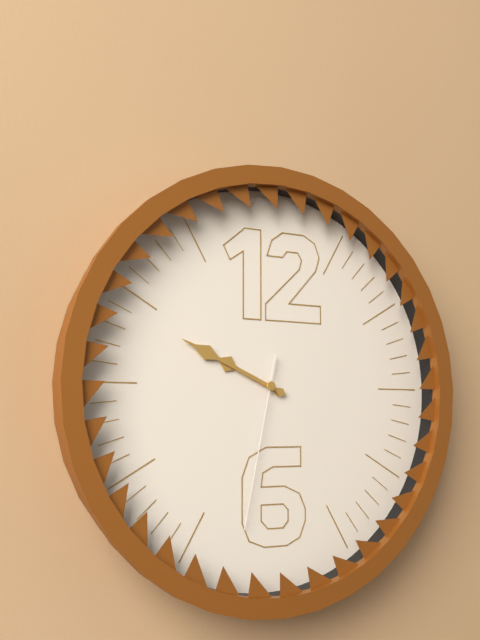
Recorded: 9 h 49 min 32 s
